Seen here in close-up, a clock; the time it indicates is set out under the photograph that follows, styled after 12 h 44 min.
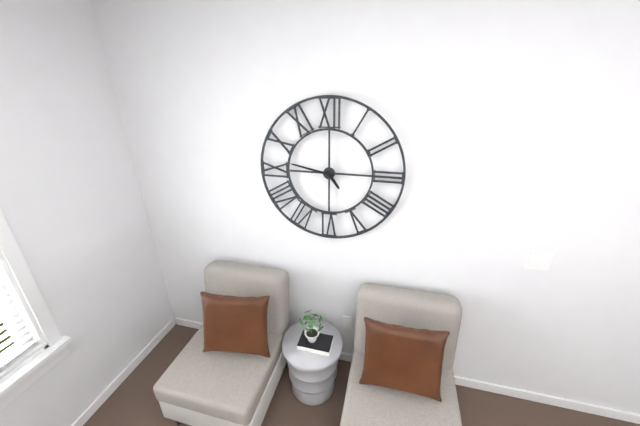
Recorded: 4 h 47 min
